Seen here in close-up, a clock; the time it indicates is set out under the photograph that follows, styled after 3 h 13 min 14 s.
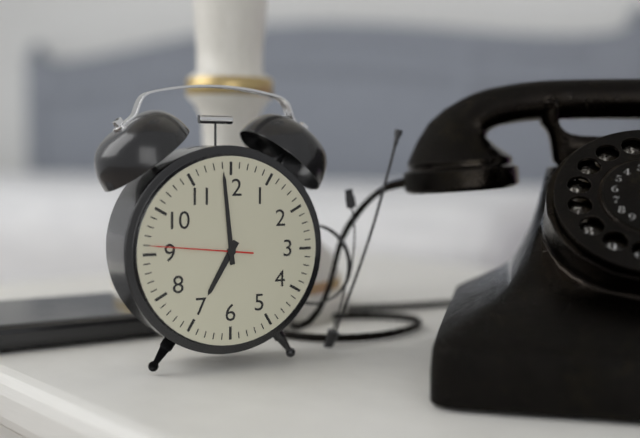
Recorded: 6 h 59 min 46 s
